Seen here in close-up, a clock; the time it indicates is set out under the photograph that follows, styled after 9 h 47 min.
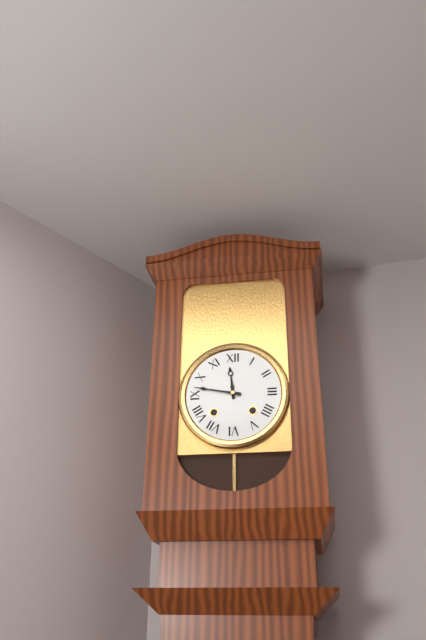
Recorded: 11 h 47 min
